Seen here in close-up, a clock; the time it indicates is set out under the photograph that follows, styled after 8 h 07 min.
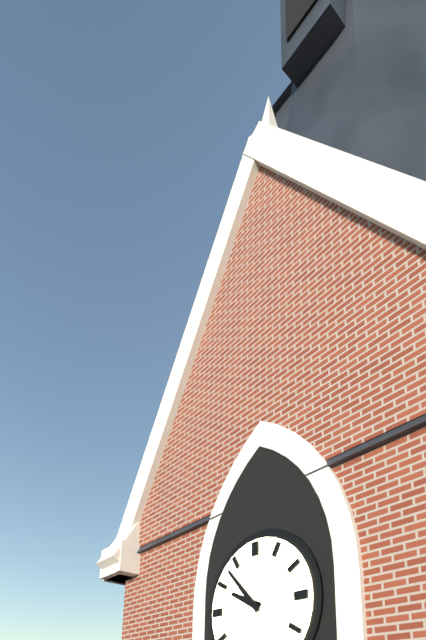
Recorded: 9 h 53 min
